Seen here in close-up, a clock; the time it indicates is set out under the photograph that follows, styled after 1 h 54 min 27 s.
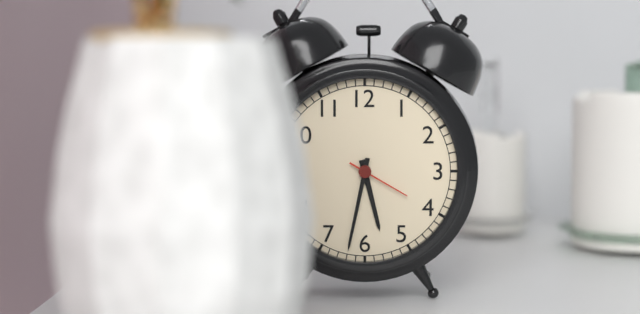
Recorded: 5 h 32 min 20 s
